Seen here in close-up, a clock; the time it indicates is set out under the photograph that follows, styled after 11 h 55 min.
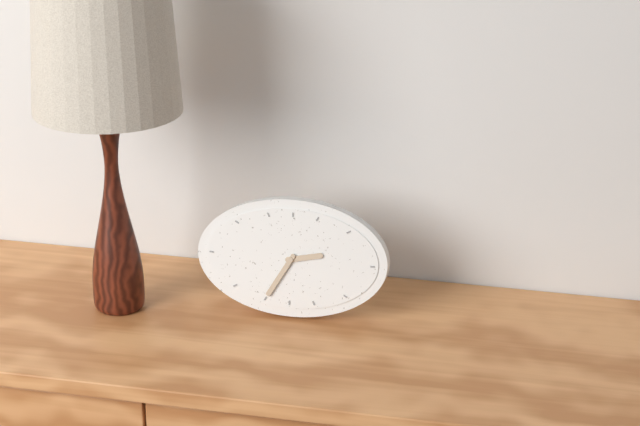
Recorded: 2 h 35 min
